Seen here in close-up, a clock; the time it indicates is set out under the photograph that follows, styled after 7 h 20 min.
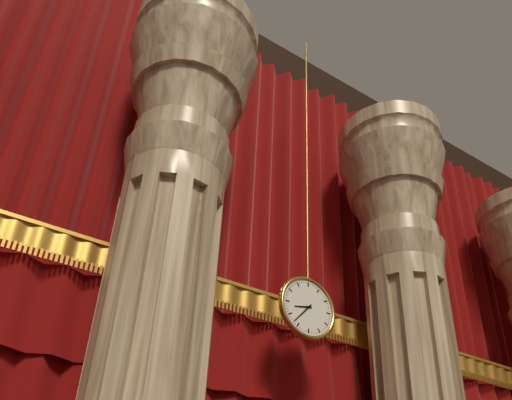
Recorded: 8 h 37 min
